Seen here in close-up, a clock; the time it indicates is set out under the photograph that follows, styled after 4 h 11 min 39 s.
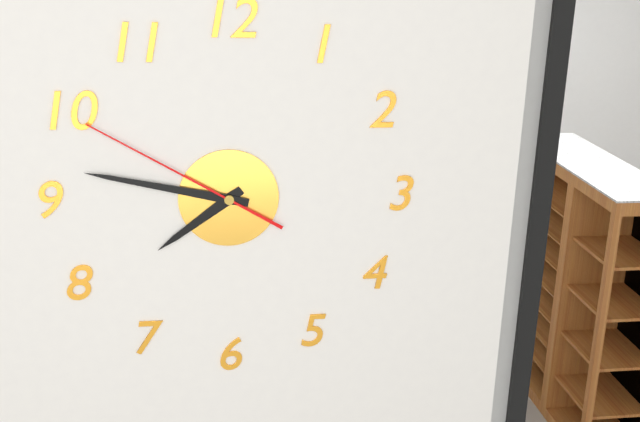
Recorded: 7 h 47 min 50 s
